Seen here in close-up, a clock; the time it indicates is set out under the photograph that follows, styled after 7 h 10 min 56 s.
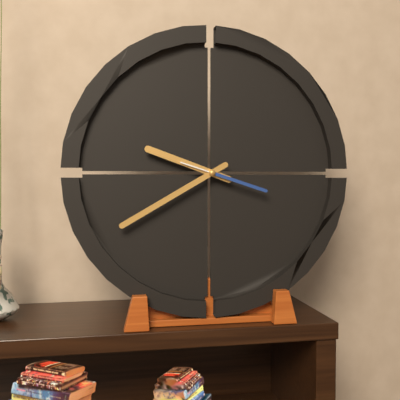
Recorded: 9 h 40 min 18 s
